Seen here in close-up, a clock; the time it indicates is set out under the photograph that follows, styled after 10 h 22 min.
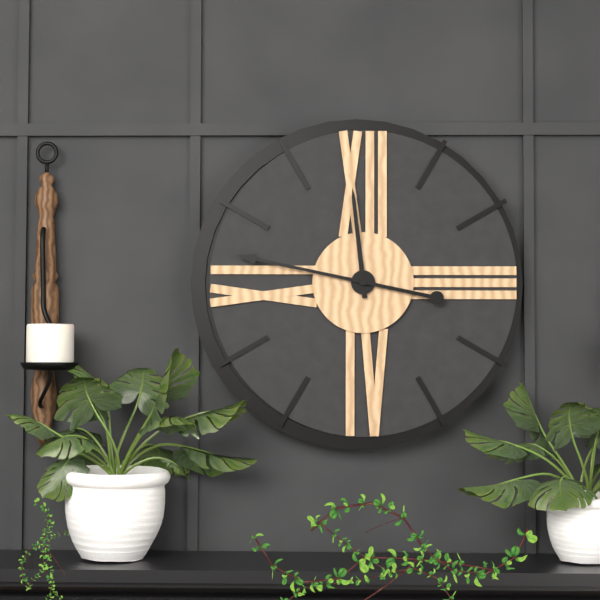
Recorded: 11 h 47 min
